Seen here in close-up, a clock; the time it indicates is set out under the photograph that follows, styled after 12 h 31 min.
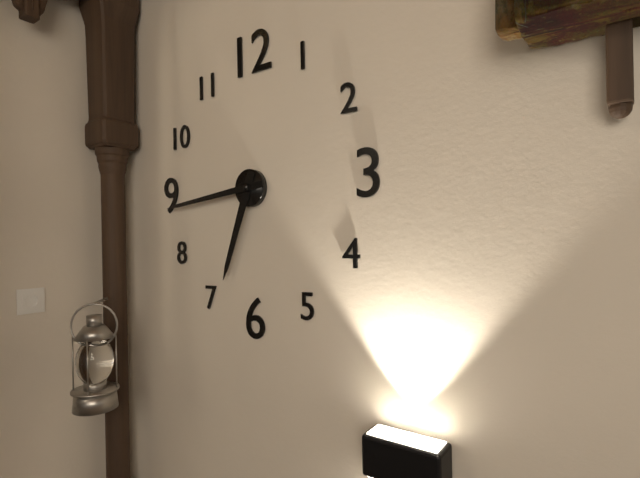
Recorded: 6 h 44 min
